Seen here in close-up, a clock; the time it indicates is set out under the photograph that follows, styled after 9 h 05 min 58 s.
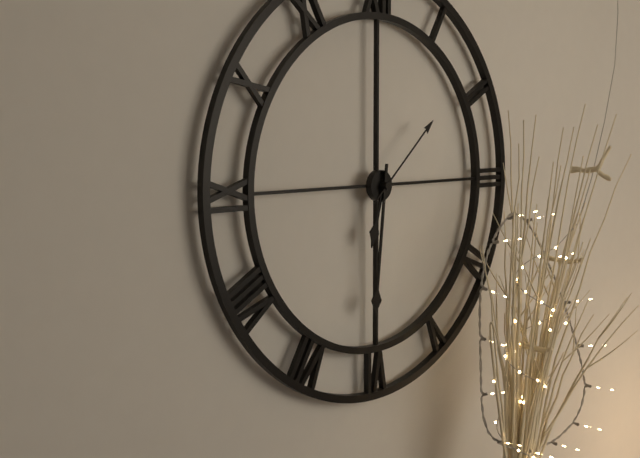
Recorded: 6 h 31 min 08 s
